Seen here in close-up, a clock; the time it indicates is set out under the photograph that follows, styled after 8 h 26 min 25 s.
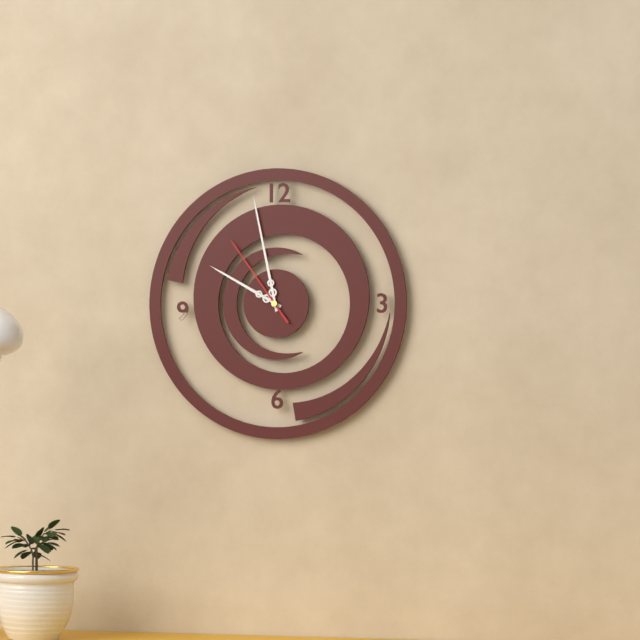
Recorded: 9 h 58 min 54 s
